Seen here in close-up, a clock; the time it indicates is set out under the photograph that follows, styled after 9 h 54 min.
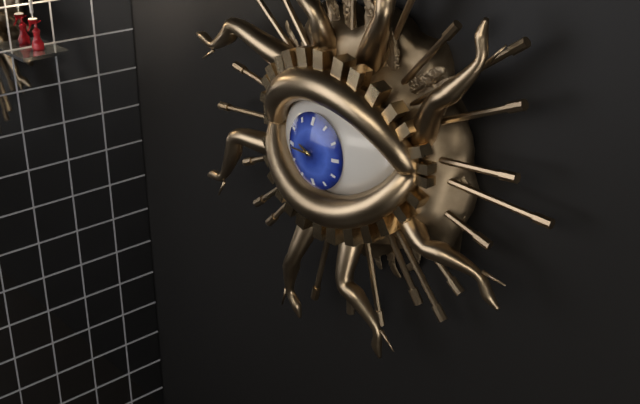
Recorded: 9 h 45 min
